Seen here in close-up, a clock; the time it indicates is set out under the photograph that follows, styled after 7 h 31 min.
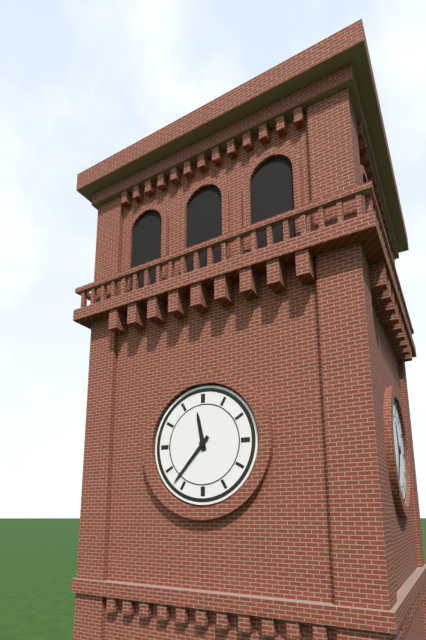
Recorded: 11 h 37 min
